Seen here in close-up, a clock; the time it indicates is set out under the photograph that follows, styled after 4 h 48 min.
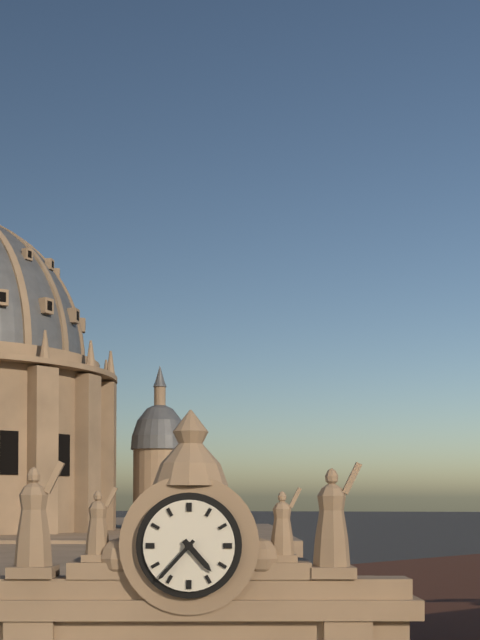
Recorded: 4 h 37 min
